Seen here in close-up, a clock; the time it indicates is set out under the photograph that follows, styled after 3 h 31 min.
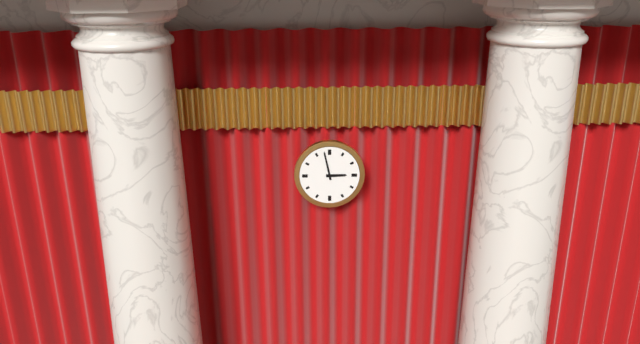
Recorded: 2 h 58 min
